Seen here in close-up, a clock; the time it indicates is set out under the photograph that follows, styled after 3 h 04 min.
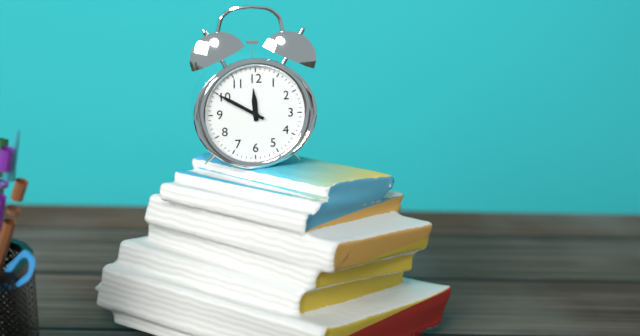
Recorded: 11 h 50 min
